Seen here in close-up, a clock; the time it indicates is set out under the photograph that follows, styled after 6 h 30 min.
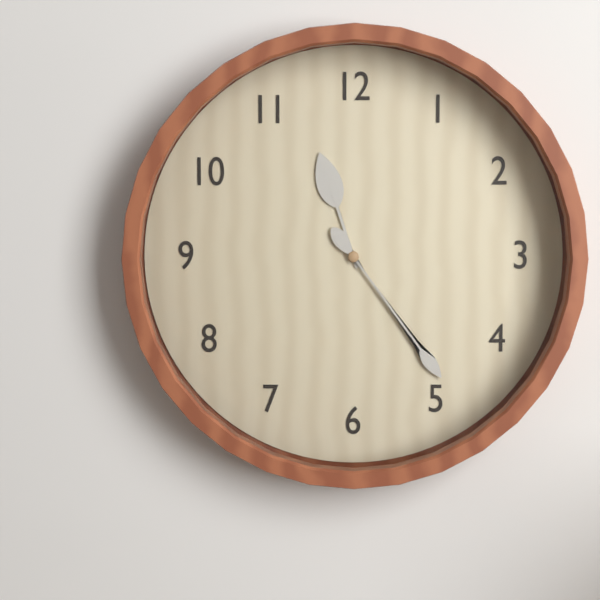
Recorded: 11 h 24 min
